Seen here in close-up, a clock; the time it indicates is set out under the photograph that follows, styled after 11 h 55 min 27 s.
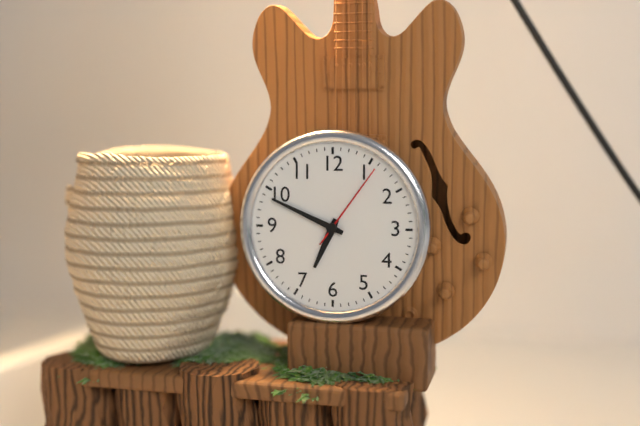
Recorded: 6 h 49 min 06 s
